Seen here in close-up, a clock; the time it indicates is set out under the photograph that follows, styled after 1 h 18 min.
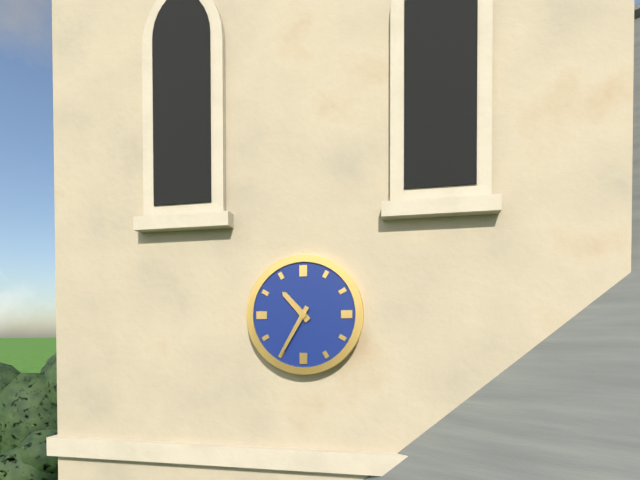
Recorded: 10 h 35 min
